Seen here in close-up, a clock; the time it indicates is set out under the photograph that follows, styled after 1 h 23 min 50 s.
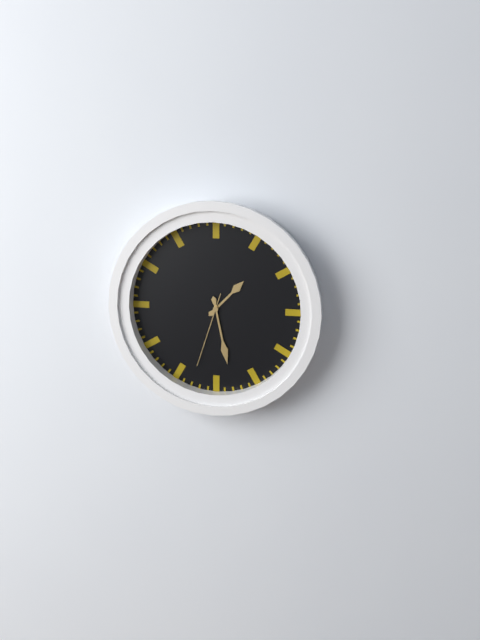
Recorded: 1 h 28 min 33 s
